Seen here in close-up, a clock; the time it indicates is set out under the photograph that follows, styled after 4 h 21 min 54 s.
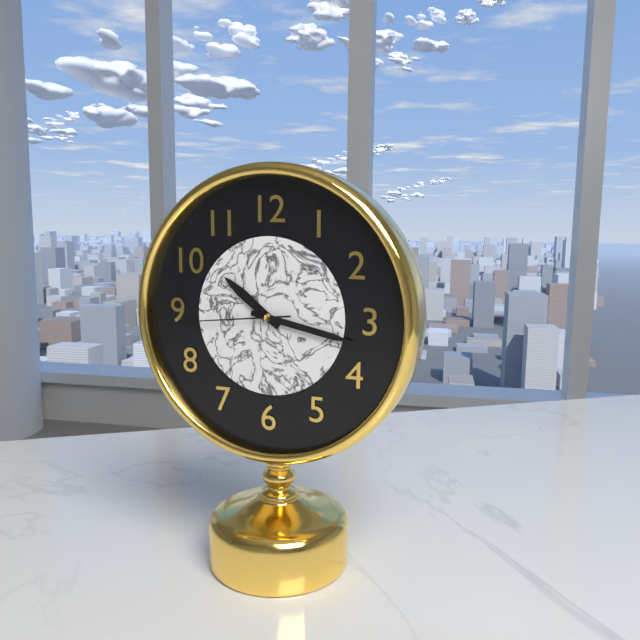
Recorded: 10 h 17 min 44 s
